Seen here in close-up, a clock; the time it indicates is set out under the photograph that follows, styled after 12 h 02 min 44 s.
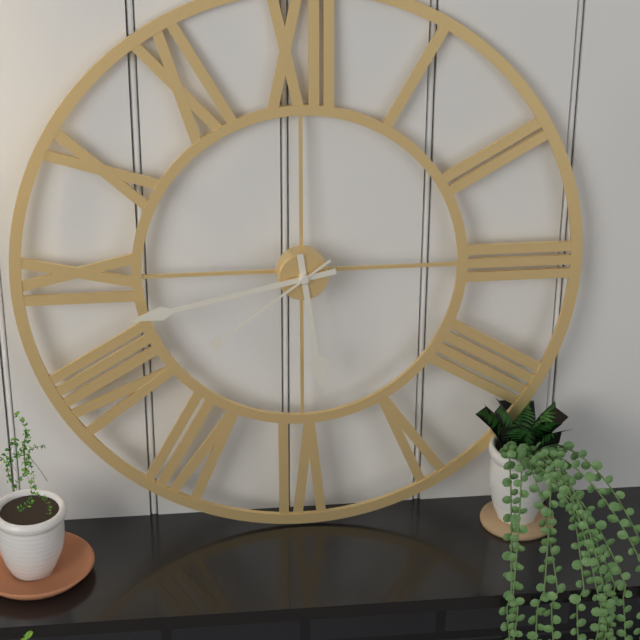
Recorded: 5 h 43 min 39 s
